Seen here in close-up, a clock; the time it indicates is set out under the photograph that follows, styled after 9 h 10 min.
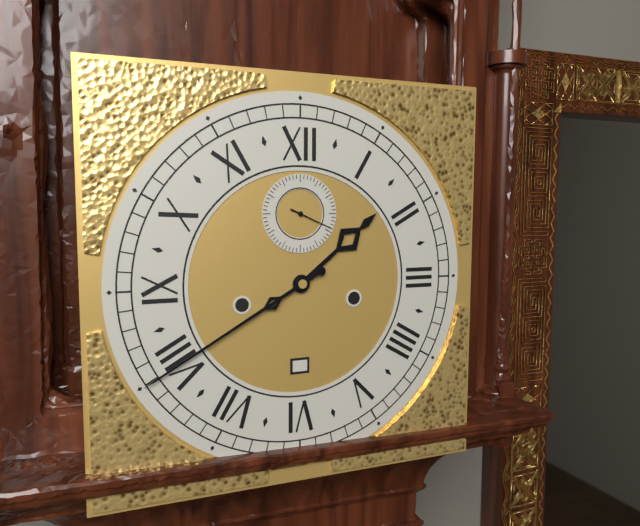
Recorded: 1 h 40 min
